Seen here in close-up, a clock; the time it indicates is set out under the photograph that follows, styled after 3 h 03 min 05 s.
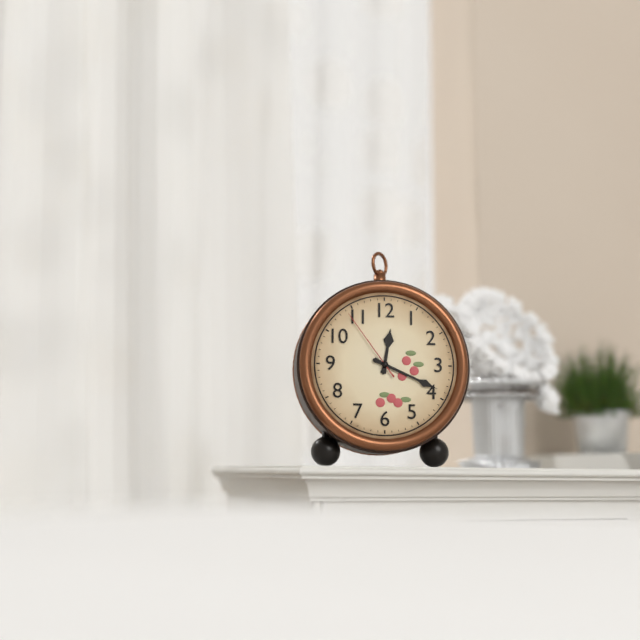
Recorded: 12 h 19 min 54 s
